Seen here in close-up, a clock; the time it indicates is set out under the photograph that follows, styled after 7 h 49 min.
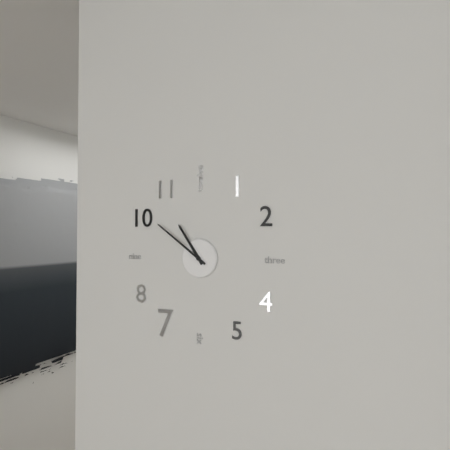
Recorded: 10 h 51 min
